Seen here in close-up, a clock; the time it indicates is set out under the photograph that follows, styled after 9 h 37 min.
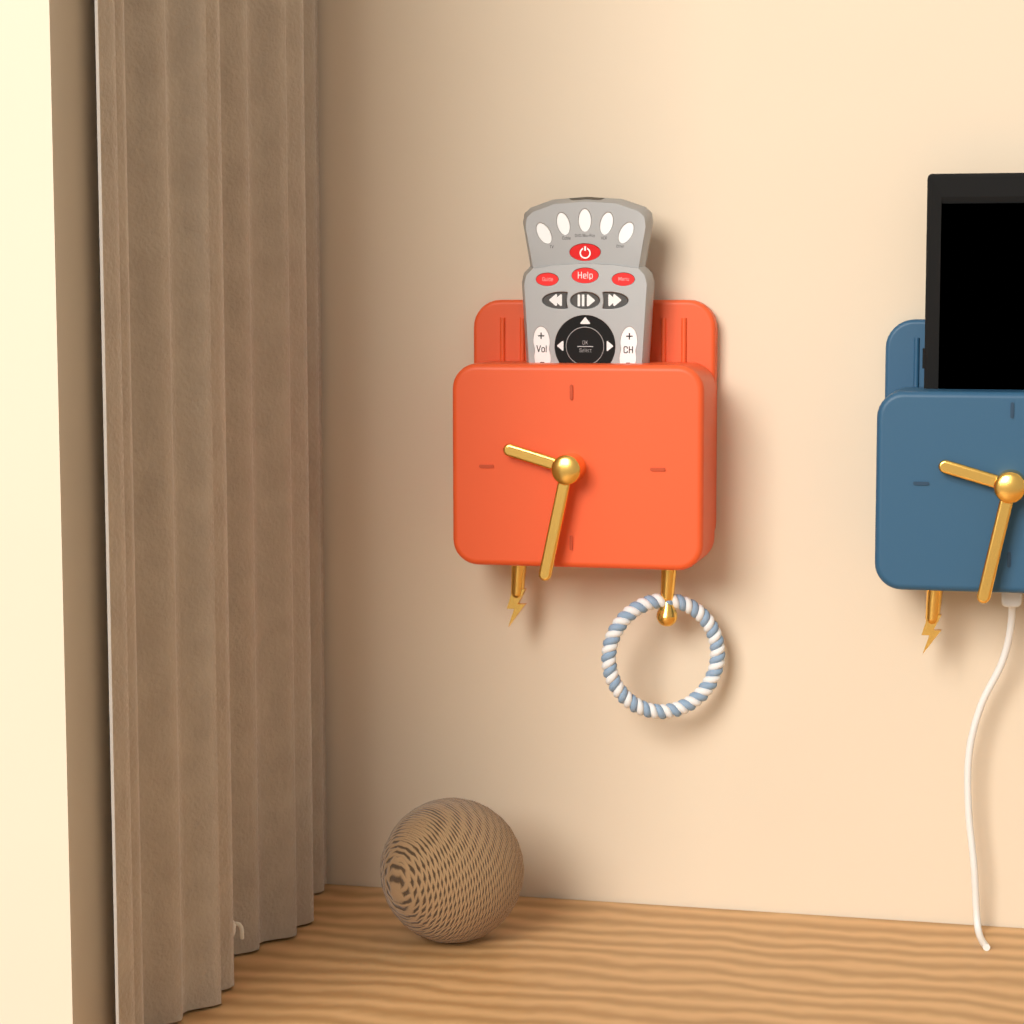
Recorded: 9 h 32 min
